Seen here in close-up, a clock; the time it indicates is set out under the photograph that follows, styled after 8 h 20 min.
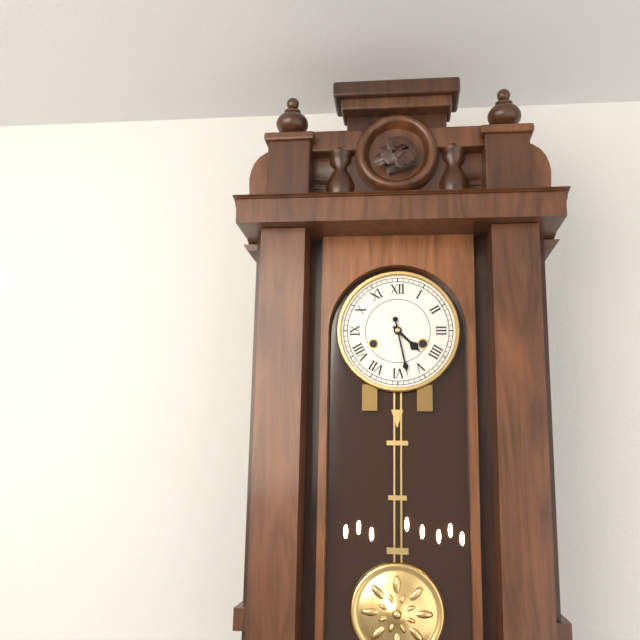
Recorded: 4 h 28 min
